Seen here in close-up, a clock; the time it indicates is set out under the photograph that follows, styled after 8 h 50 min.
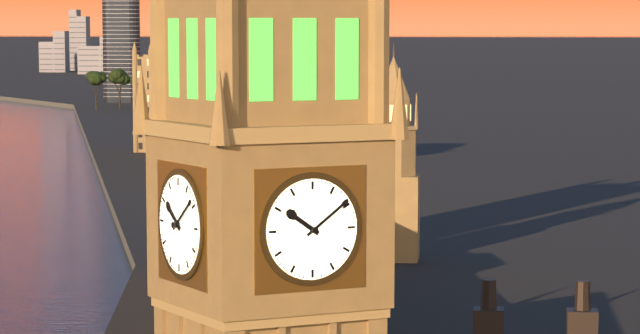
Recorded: 10 h 09 min
